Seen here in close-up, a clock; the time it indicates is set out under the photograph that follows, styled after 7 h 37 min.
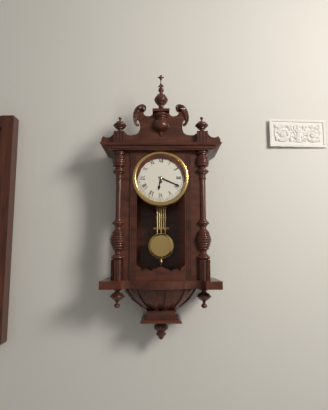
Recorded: 6 h 19 min
